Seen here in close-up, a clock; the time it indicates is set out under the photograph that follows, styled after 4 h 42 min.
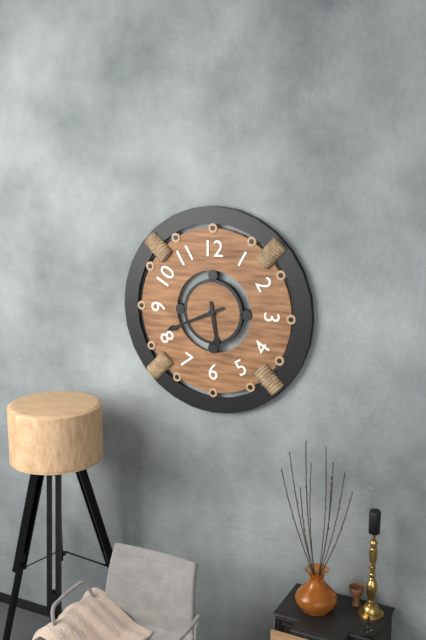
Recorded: 5 h 41 min
